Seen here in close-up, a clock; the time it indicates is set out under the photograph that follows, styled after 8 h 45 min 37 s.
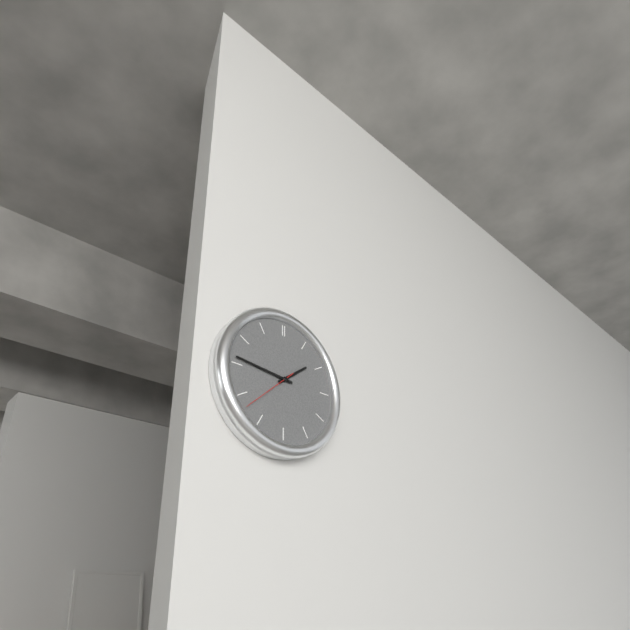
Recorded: 1 h 46 min 38 s
